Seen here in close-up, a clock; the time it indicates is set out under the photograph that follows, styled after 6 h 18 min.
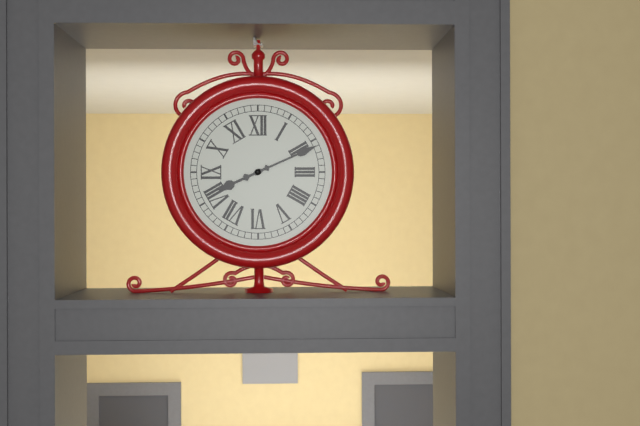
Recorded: 8 h 11 min
